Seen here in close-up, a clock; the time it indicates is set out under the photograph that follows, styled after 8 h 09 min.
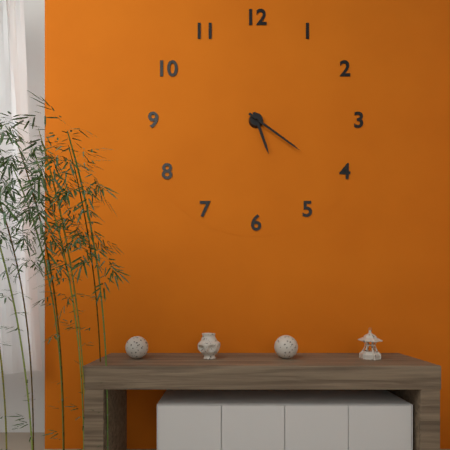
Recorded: 5 h 21 min
